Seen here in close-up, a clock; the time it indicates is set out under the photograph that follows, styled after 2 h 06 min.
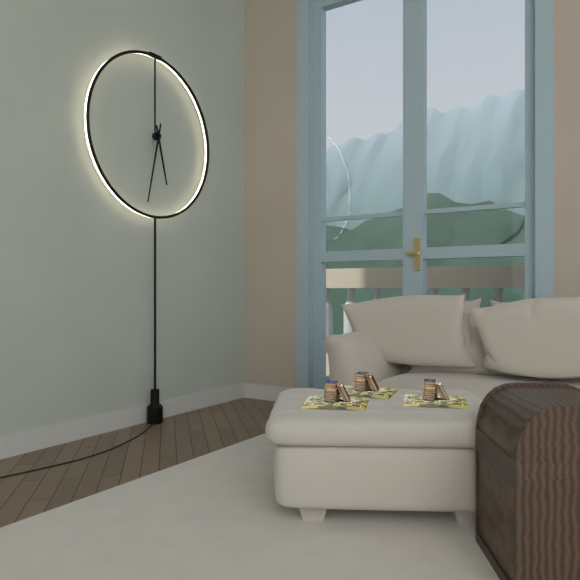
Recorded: 5 h 32 min
